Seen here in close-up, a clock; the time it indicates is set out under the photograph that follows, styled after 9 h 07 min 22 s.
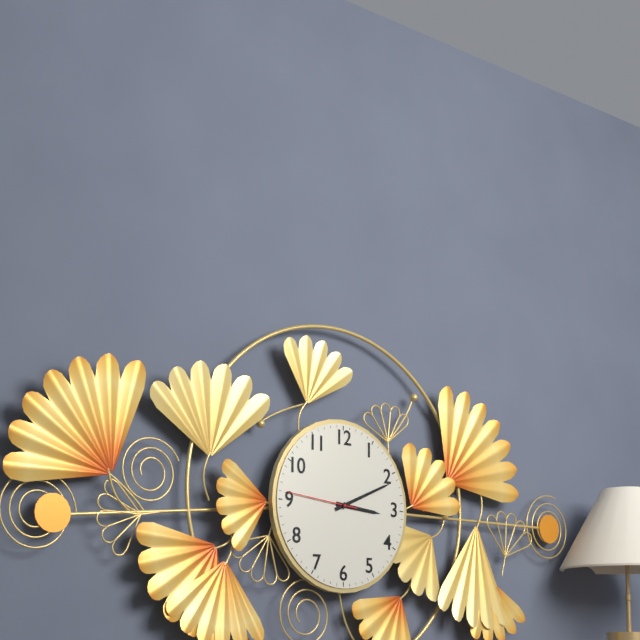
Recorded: 3 h 11 min 46 s
